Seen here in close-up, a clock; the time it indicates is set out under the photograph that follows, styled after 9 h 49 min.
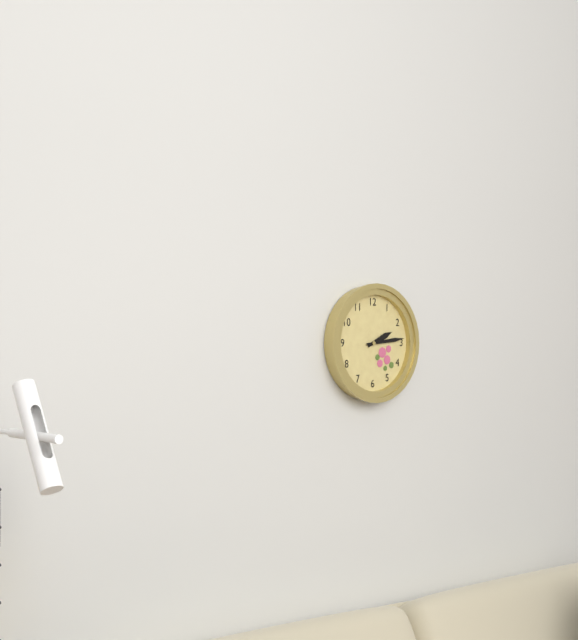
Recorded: 2 h 14 min
